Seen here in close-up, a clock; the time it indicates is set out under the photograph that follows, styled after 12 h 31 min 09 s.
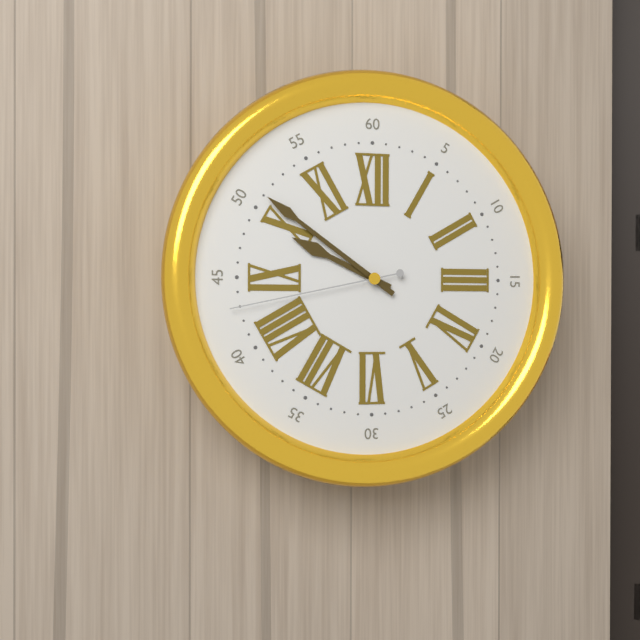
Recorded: 9 h 51 min 43 s
